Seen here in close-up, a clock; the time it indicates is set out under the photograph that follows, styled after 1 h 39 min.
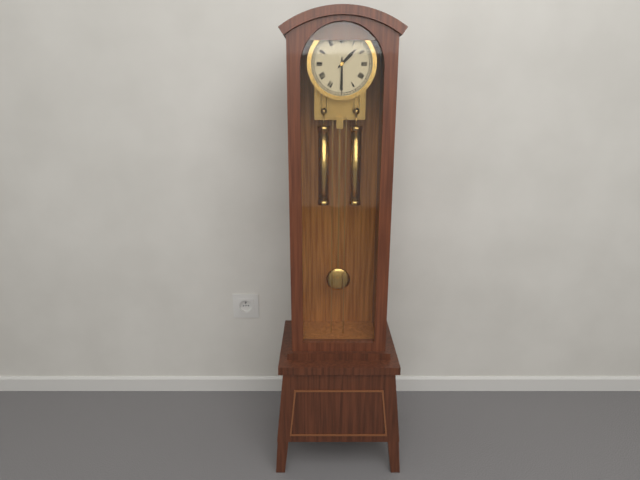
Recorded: 1 h 30 min
